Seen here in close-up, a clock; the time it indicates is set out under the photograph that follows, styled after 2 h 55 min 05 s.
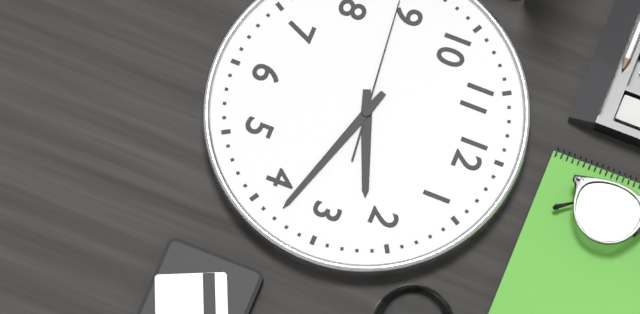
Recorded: 2 h 18 min 44 s
